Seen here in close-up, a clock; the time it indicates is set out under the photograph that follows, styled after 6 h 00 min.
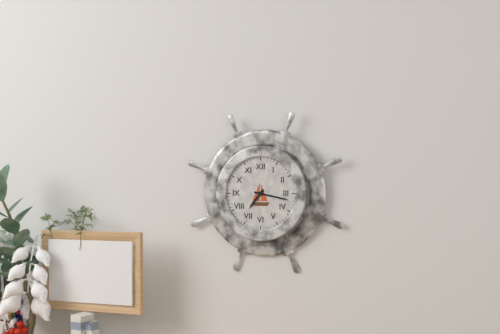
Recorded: 7 h 17 min
